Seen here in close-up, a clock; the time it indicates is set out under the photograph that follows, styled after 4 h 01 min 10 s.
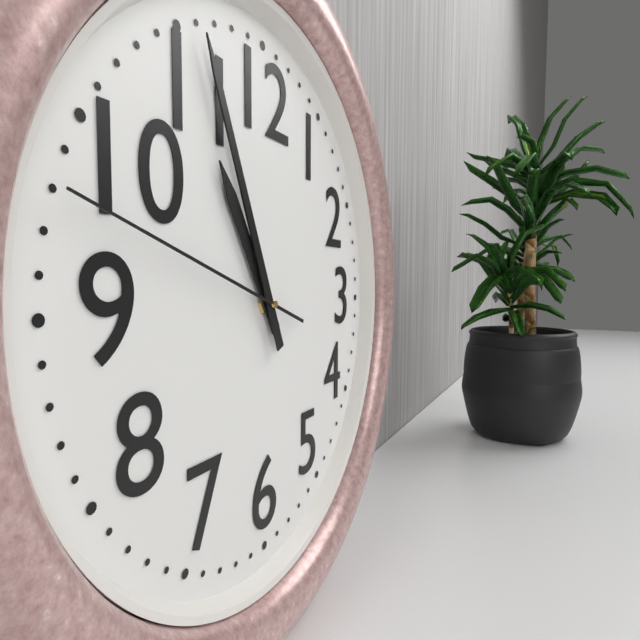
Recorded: 10 h 56 min 48 s
